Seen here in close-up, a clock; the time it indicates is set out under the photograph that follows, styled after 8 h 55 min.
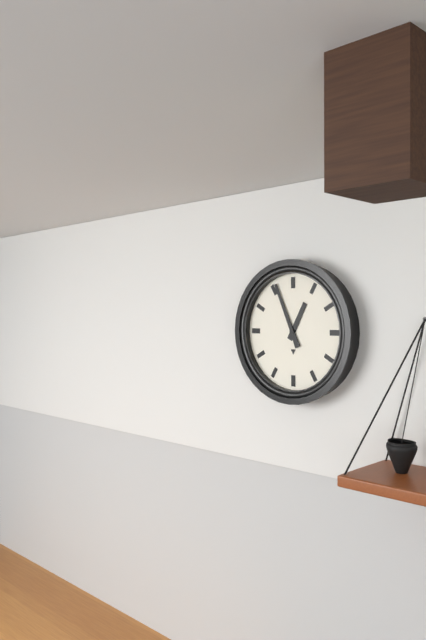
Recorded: 12 h 56 min
